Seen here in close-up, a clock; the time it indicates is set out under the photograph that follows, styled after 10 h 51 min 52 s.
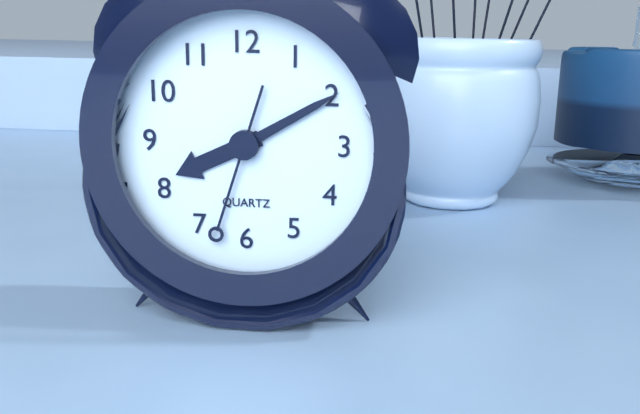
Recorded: 8 h 10 min 33 s
